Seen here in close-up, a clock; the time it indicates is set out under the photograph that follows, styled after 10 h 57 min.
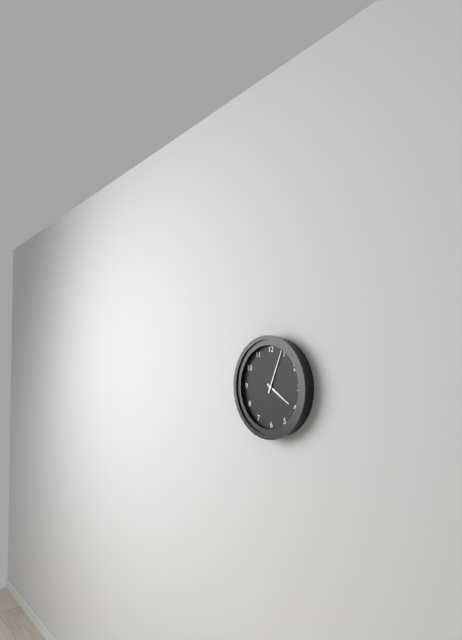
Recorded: 4 h 04 min
